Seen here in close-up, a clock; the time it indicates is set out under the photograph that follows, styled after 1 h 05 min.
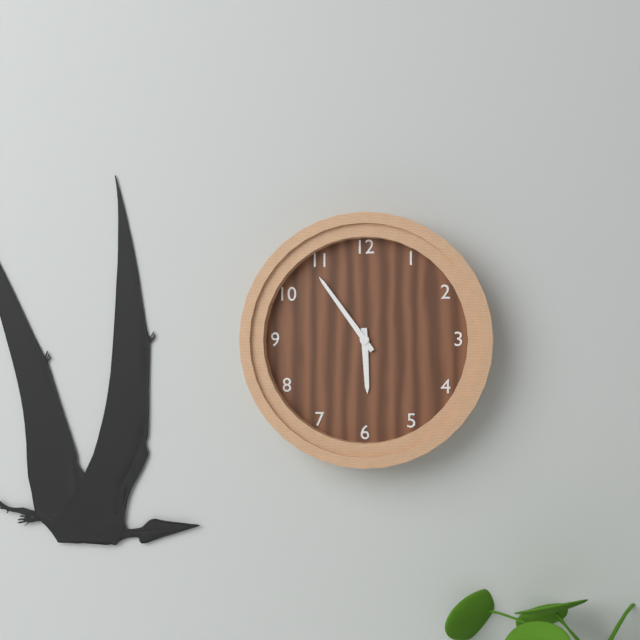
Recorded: 5 h 54 min
